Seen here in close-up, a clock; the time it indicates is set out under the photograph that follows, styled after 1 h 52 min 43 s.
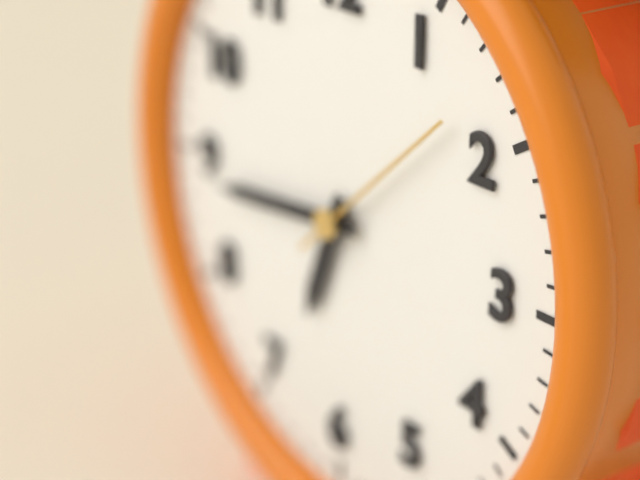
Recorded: 6 h 44 min 08 s
